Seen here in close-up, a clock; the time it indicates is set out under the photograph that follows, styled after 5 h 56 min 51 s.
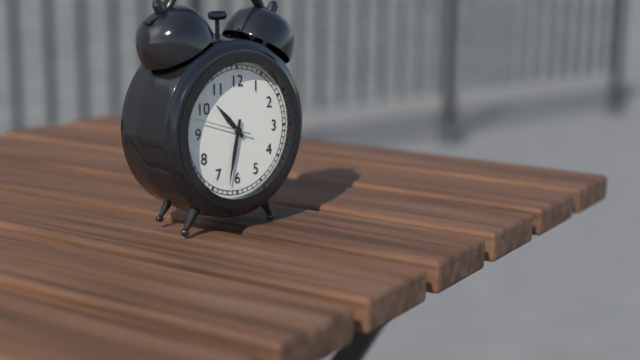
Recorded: 10 h 32 min 48 s
